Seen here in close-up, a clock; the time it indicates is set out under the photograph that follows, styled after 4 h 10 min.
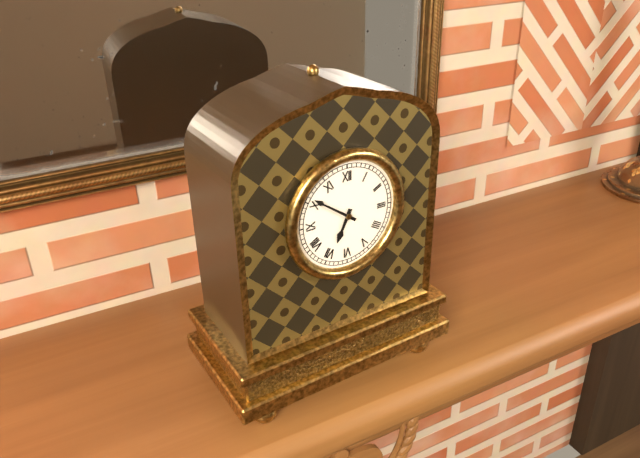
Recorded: 6 h 51 min
